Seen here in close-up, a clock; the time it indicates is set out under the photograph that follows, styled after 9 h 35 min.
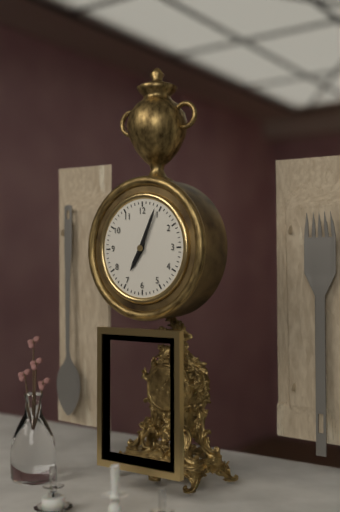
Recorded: 7 h 04 min
